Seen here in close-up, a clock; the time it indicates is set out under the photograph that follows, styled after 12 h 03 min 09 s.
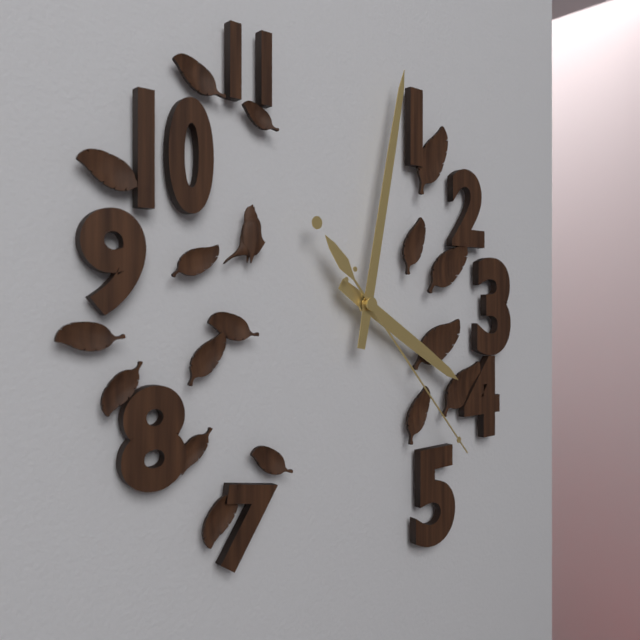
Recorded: 4 h 02 min 23 s
